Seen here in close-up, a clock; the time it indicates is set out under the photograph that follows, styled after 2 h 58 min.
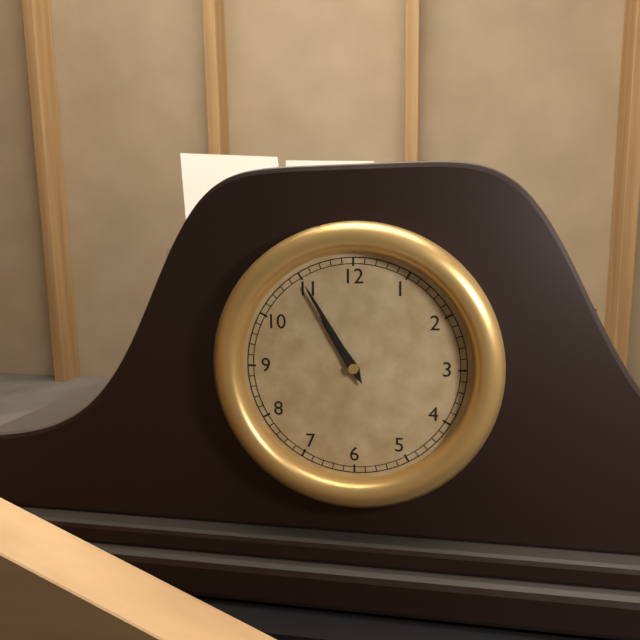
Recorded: 10 h 55 min
